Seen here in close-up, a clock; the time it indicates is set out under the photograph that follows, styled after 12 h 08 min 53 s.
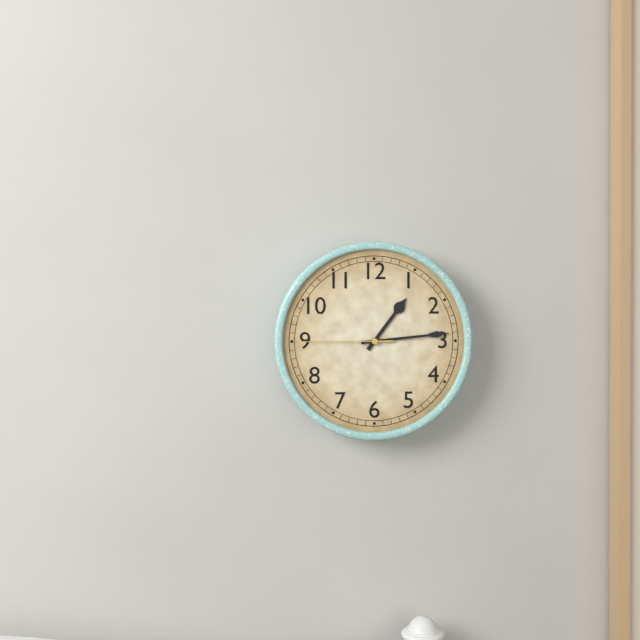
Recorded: 1 h 14 min 45 s
